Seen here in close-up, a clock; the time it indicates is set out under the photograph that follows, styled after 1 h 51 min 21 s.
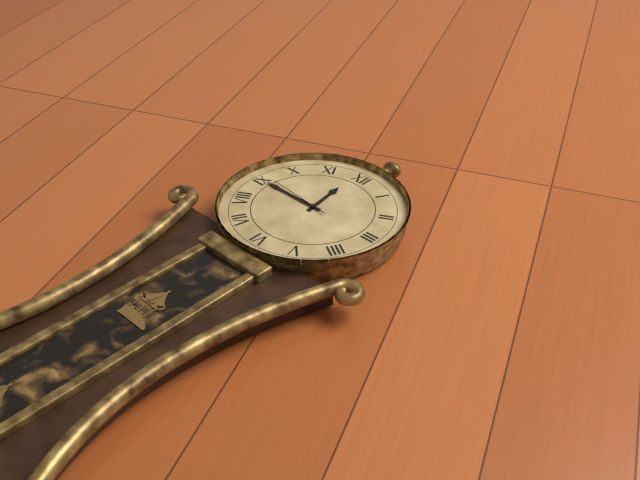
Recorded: 11 h 45 min 46 s
